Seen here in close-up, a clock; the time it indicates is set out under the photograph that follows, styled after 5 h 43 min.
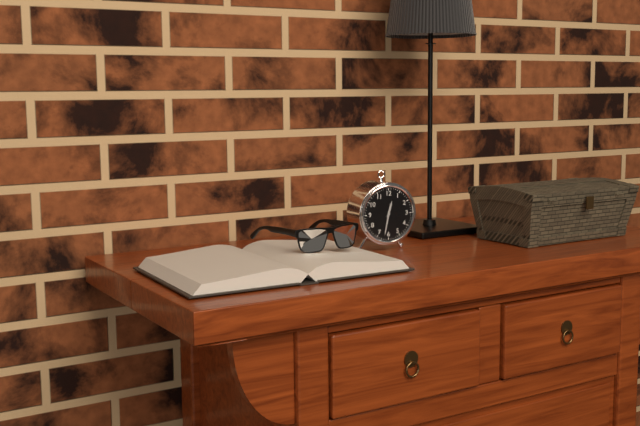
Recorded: 12 h 32 min
